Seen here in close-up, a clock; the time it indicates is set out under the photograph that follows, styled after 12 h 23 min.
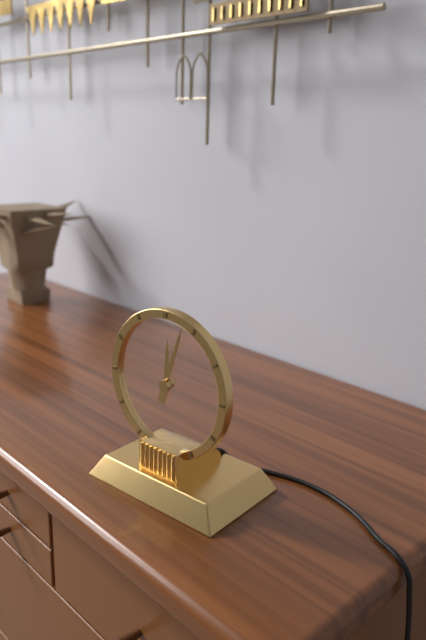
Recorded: 12 h 03 min
